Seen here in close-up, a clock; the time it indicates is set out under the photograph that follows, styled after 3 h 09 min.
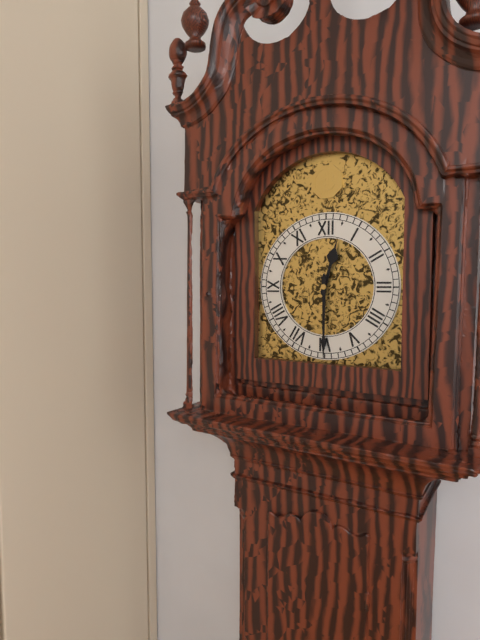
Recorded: 12 h 30 min
